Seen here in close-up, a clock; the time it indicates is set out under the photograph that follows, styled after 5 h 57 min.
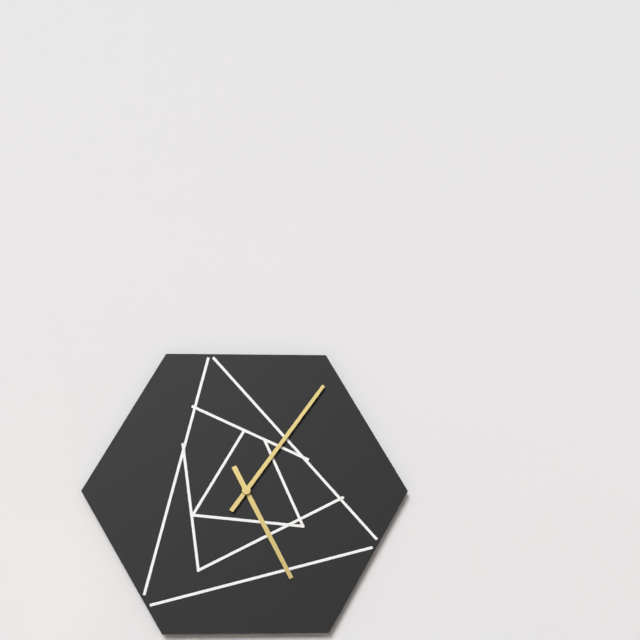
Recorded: 5 h 06 min
